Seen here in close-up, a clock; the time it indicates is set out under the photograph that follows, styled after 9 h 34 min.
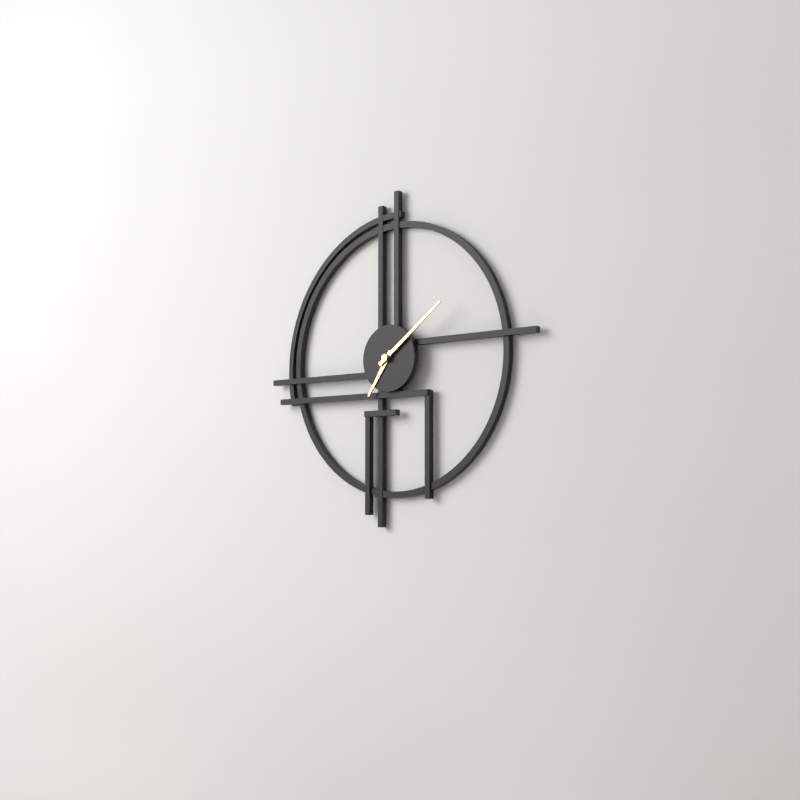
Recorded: 7 h 09 min
